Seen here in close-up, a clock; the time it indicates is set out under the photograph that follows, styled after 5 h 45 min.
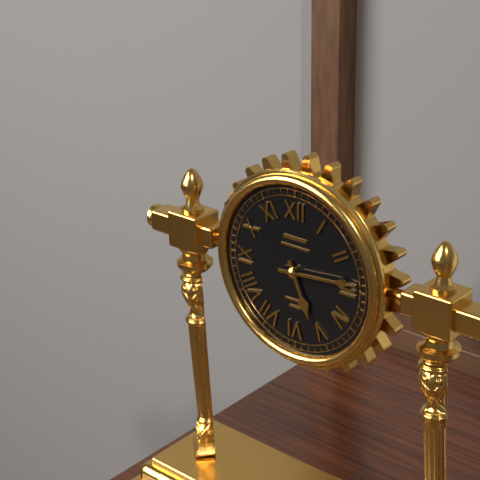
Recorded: 5 h 14 min
